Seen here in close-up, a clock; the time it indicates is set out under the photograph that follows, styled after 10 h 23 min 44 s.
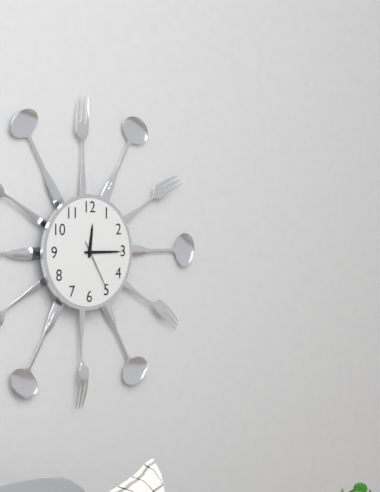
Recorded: 12 h 15 min 25 s
